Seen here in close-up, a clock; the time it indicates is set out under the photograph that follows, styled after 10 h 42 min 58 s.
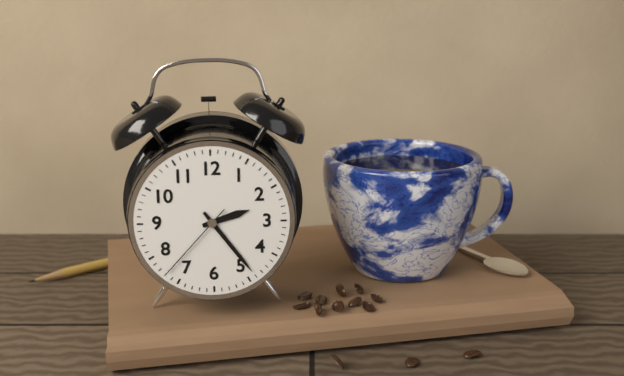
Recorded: 2 h 24 min 37 s
